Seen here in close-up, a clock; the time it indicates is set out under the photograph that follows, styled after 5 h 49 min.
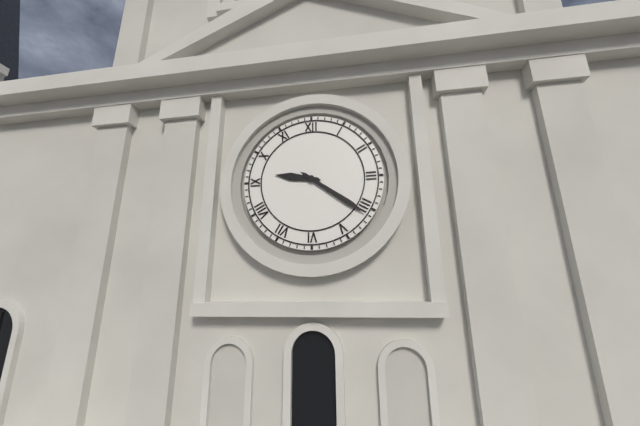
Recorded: 9 h 21 min
